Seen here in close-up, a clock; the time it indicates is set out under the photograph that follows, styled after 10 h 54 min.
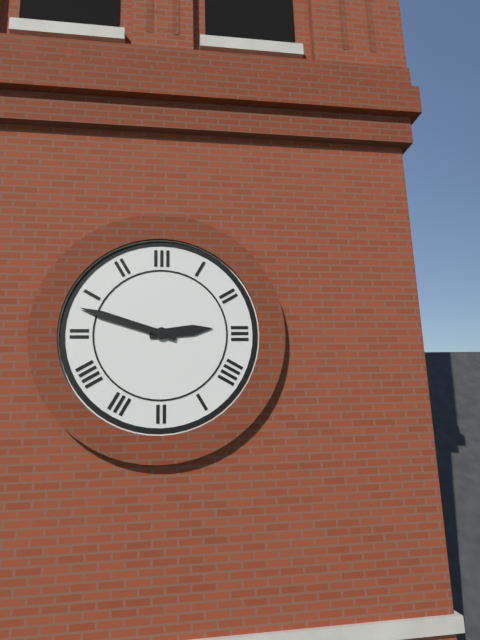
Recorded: 2 h 48 min
